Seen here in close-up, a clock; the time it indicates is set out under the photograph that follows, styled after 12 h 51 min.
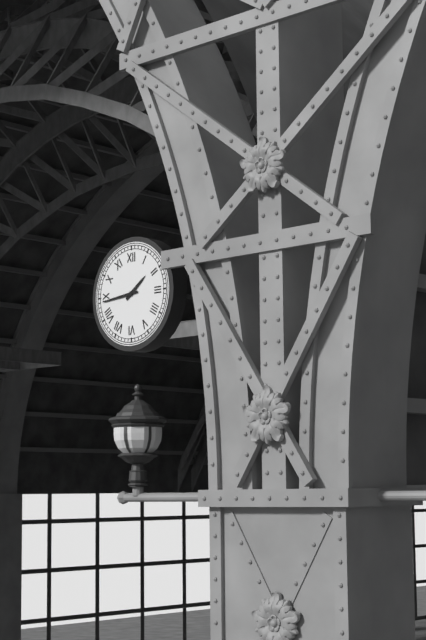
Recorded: 1 h 44 min
